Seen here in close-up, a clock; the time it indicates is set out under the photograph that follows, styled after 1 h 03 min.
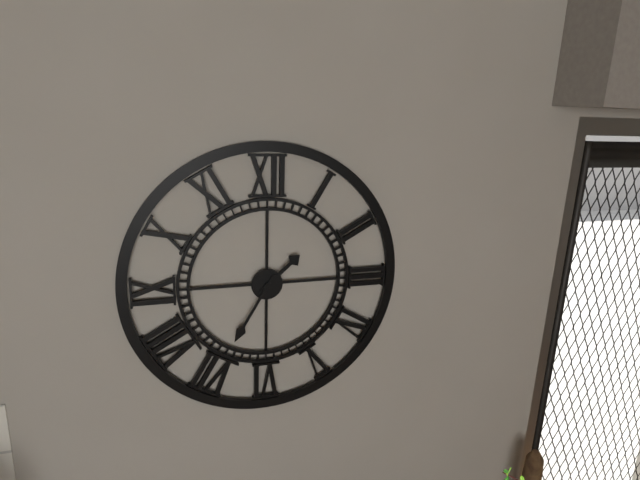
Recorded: 1 h 35 min
